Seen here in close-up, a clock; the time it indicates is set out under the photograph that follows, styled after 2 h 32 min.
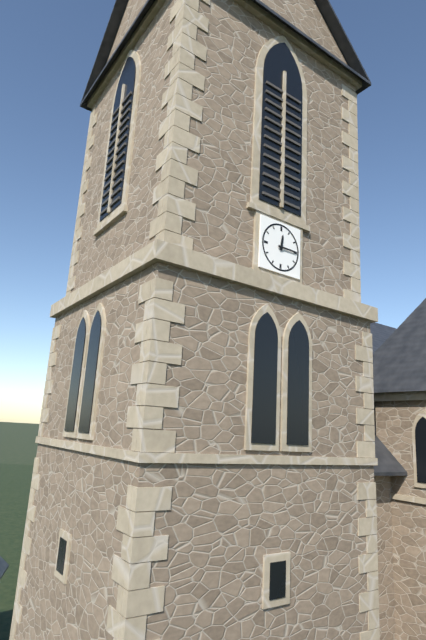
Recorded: 12 h 15 min
